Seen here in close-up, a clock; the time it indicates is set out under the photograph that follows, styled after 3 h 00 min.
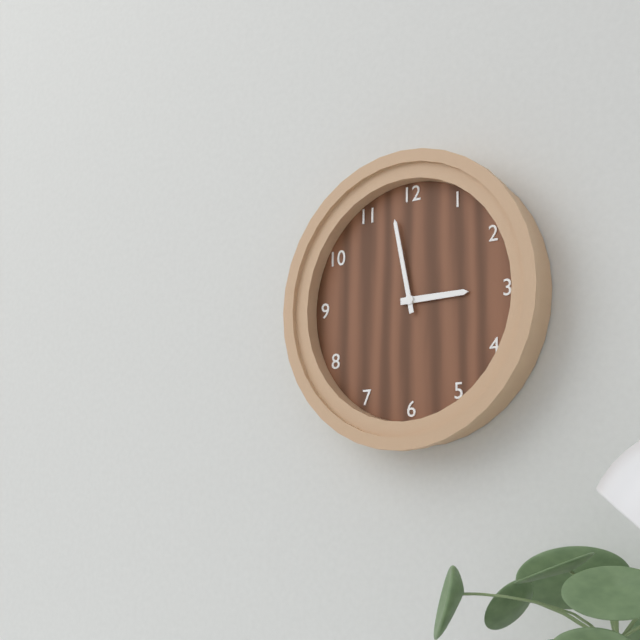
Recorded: 2 h 58 min
